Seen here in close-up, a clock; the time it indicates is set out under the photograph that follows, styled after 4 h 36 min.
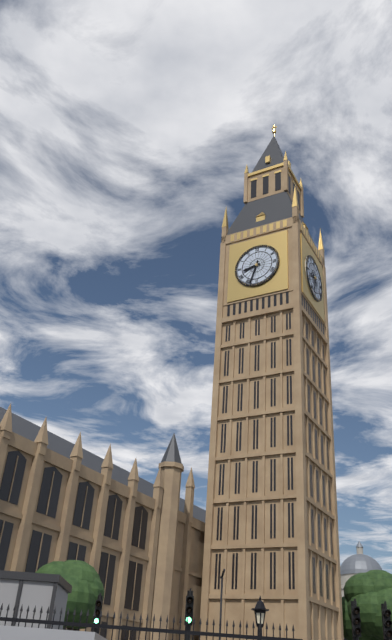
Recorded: 8 h 33 min
